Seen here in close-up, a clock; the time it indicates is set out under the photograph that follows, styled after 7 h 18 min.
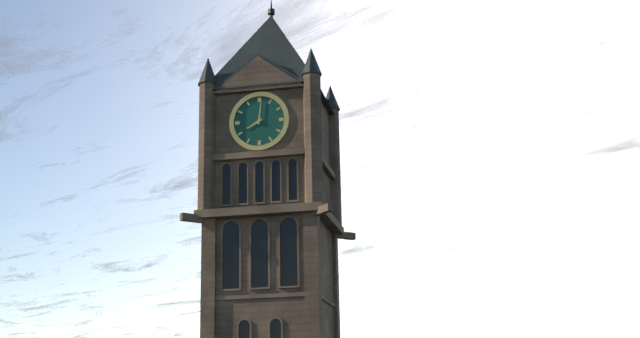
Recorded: 8 h 01 min
